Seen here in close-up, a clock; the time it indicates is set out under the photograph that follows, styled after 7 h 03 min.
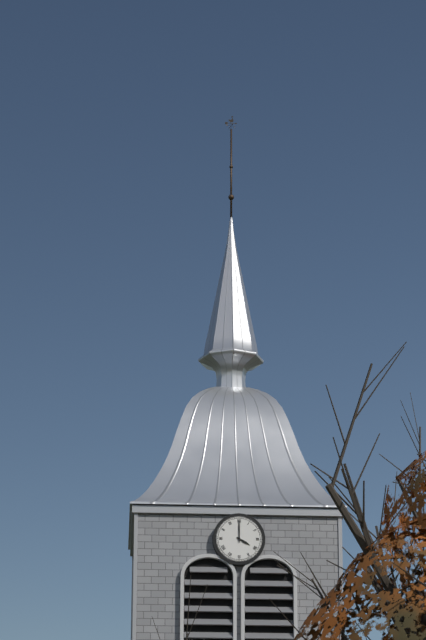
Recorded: 4 h 00 min
